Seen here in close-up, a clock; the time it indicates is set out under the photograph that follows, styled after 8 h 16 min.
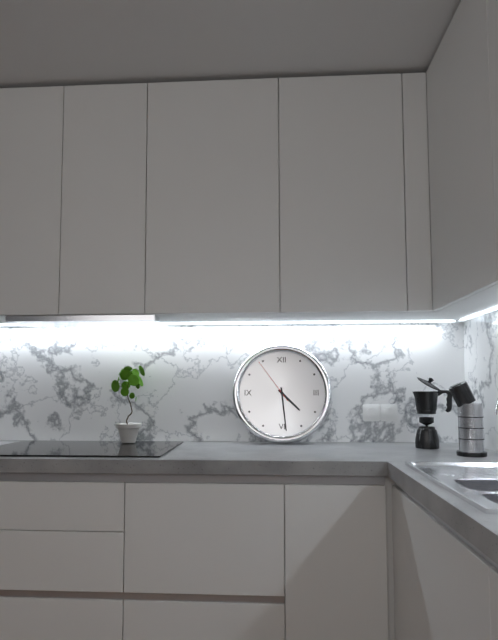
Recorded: 4 h 29 min
